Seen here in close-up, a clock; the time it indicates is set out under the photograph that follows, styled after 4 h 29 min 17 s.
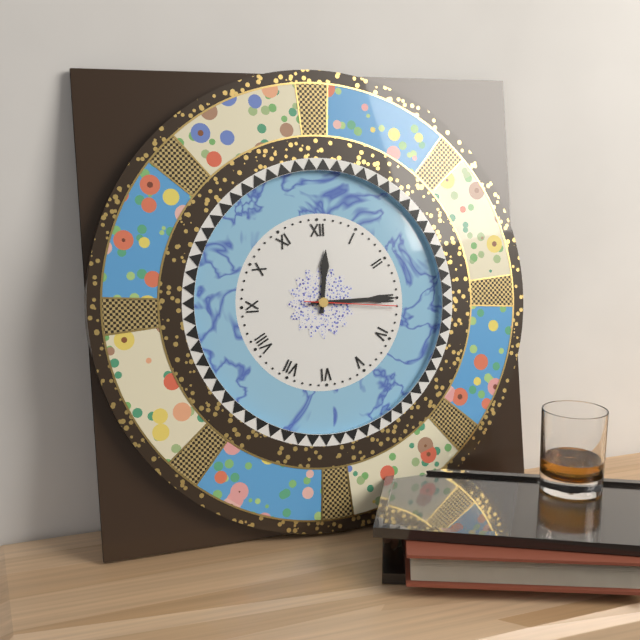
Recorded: 12 h 15 min 16 s
